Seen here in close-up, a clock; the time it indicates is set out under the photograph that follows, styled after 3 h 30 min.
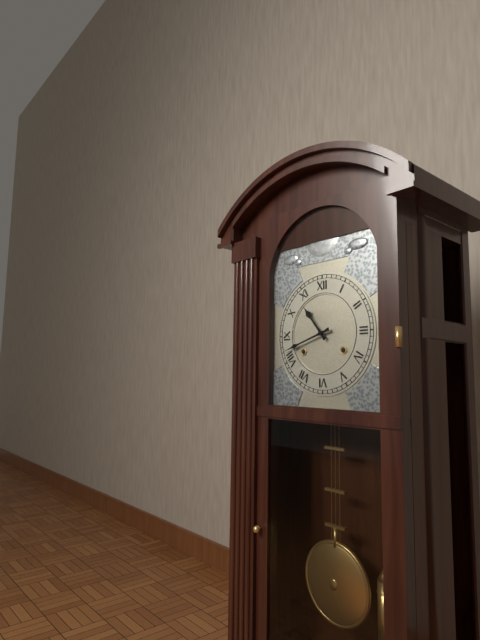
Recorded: 10 h 42 min
